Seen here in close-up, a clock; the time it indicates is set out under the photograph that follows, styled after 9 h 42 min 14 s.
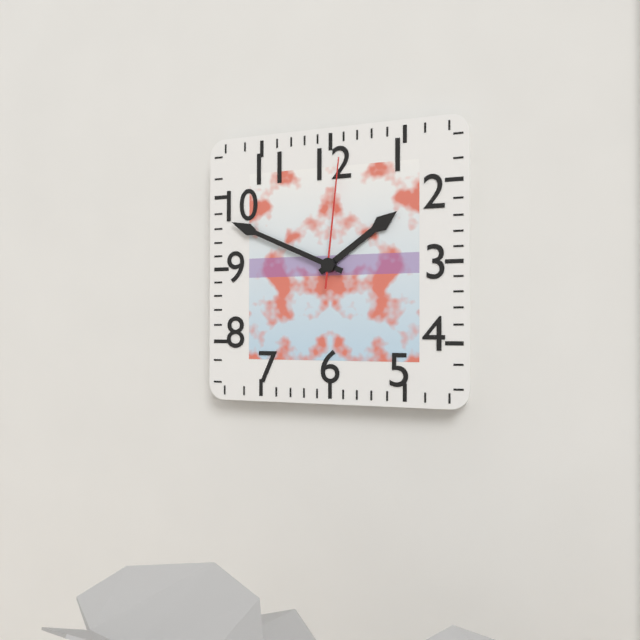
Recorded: 1 h 49 min 01 s
